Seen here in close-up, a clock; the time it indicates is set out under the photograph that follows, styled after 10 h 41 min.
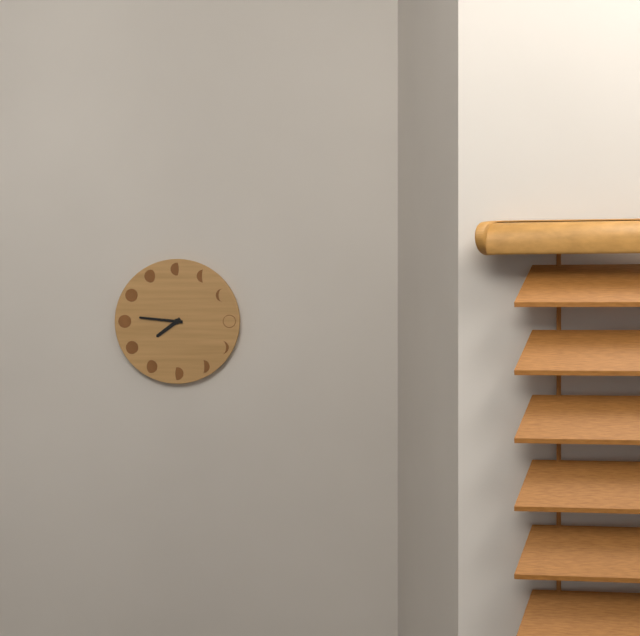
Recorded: 7 h 46 min
